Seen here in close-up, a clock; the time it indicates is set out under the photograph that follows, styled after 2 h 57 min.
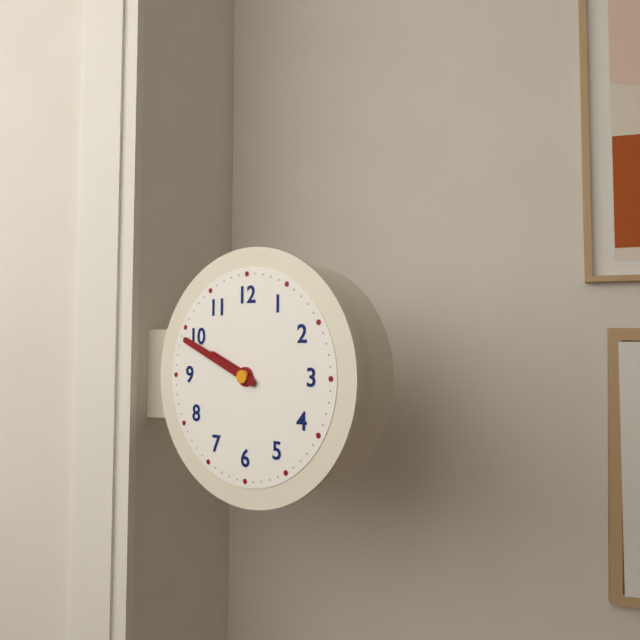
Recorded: 9 h 49 min
